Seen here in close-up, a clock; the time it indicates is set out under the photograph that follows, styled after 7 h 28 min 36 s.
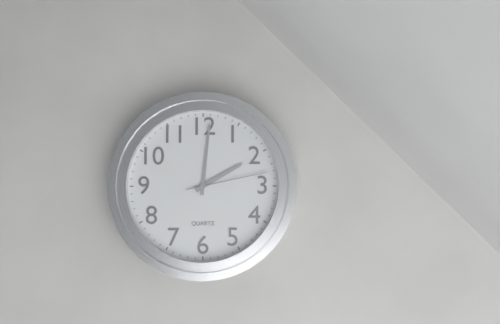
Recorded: 2 h 01 min 13 s
